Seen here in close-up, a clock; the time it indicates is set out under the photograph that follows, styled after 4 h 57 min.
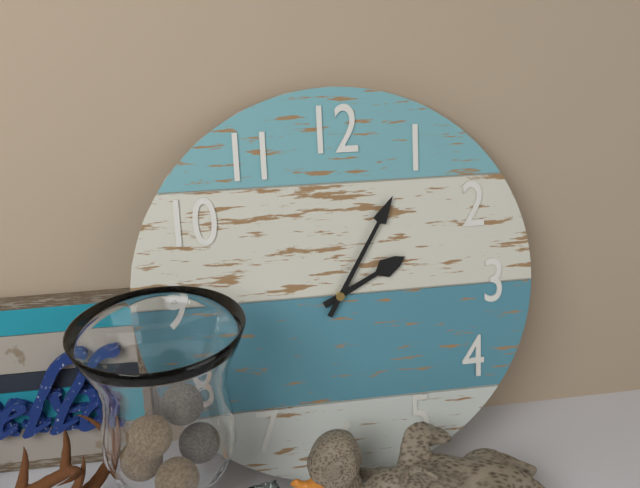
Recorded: 2 h 05 min
